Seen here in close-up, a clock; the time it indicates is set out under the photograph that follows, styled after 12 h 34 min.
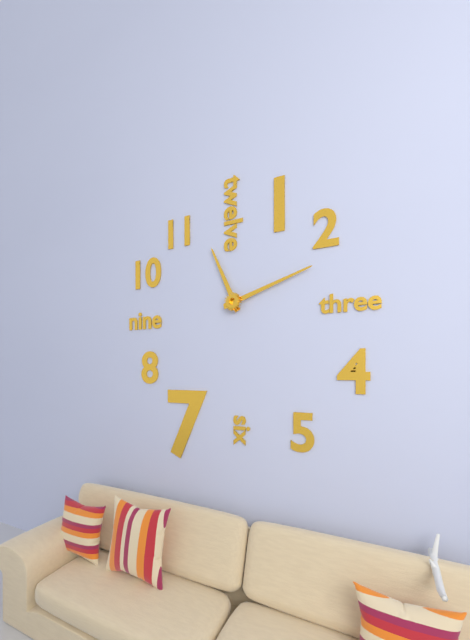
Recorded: 11 h 12 min
